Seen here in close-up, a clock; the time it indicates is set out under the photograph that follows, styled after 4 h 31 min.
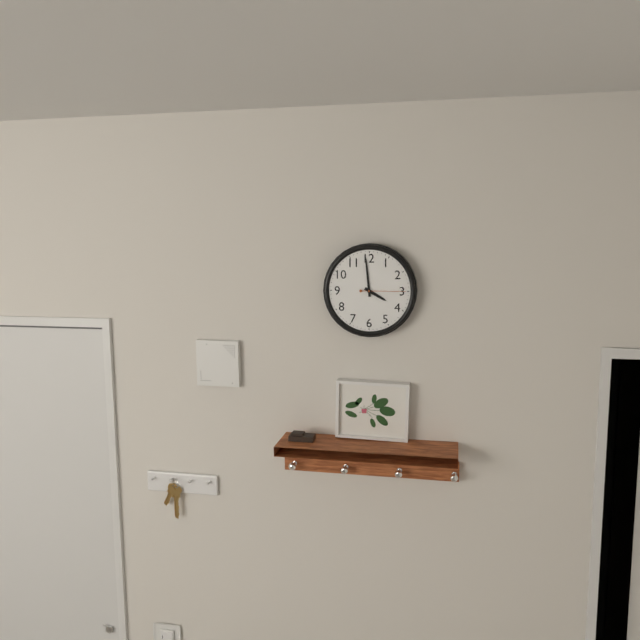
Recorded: 3 h 59 min
